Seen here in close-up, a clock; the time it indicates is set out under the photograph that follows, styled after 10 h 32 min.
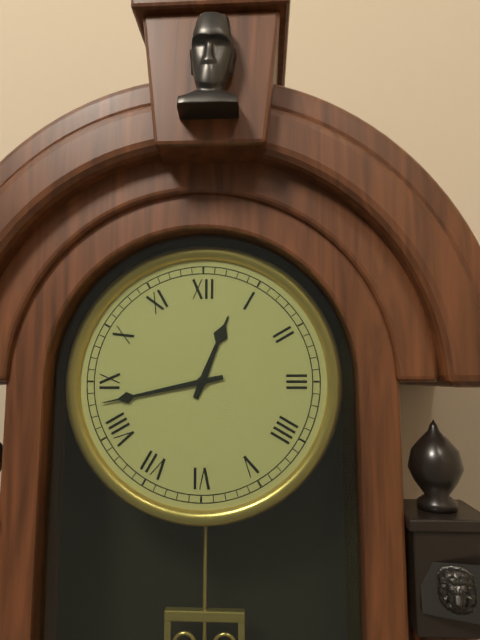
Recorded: 12 h 43 min
